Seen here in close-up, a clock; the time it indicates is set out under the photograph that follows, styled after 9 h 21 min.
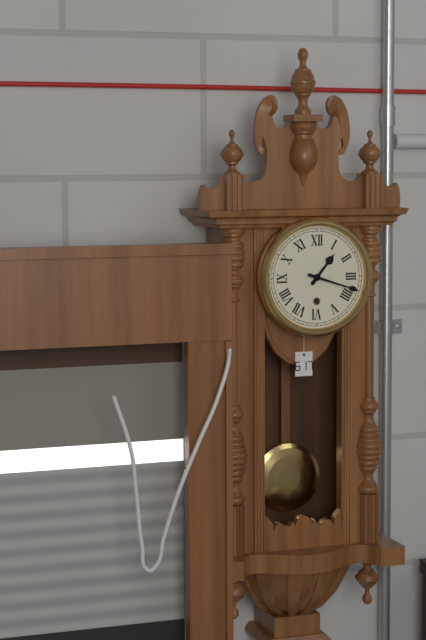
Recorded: 1 h 18 min
